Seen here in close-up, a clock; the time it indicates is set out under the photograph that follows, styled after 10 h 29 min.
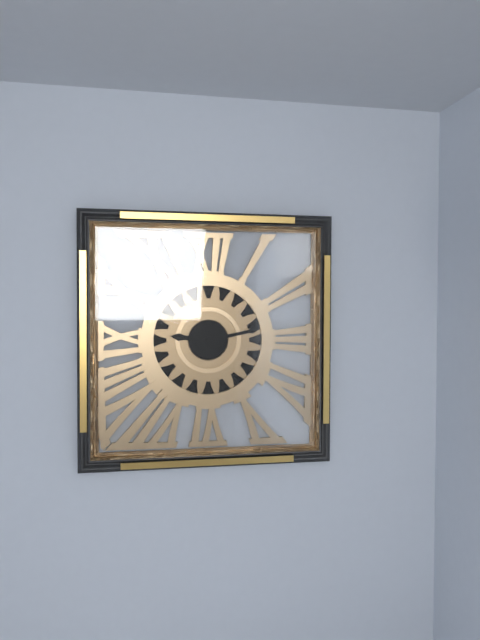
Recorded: 9 h 13 min
